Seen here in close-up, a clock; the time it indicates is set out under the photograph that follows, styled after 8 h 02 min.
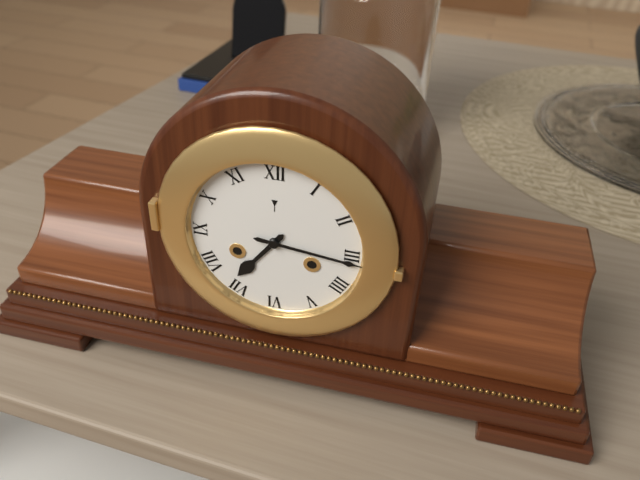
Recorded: 7 h 16 min
